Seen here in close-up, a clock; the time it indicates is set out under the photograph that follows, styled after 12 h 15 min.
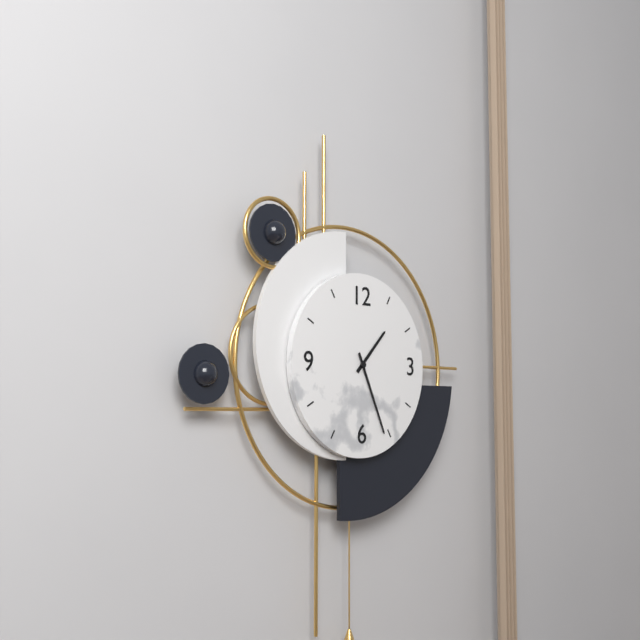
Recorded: 1 h 26 min
